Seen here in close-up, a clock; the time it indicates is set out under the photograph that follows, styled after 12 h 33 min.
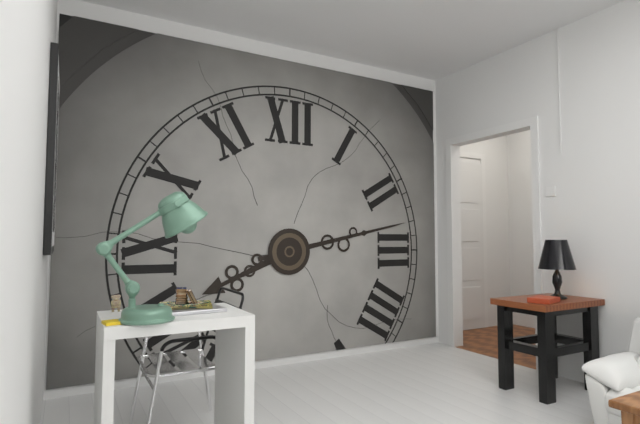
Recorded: 8 h 13 min
